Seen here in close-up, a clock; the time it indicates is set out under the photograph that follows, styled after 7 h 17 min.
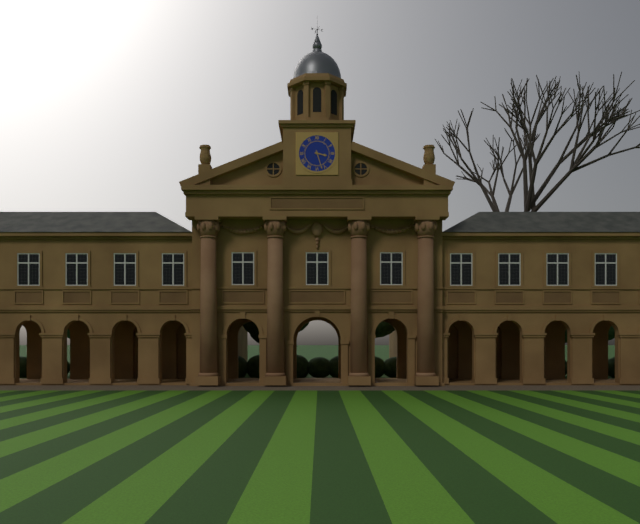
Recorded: 3 h 27 min
